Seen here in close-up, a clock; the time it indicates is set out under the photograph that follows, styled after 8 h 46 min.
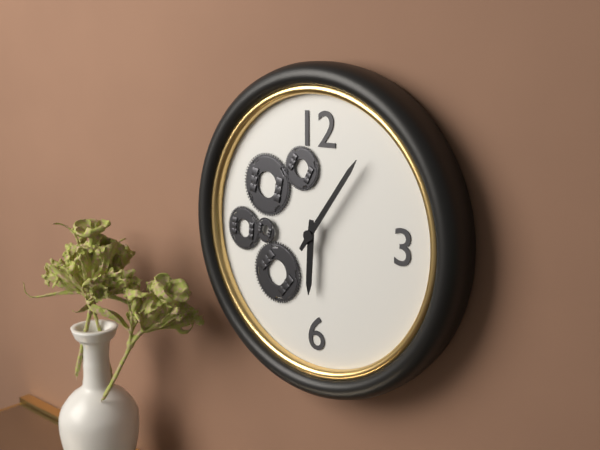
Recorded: 6 h 06 min
